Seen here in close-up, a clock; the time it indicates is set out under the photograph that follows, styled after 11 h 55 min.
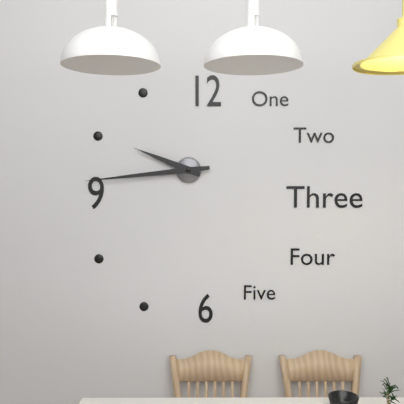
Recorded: 9 h 44 min
